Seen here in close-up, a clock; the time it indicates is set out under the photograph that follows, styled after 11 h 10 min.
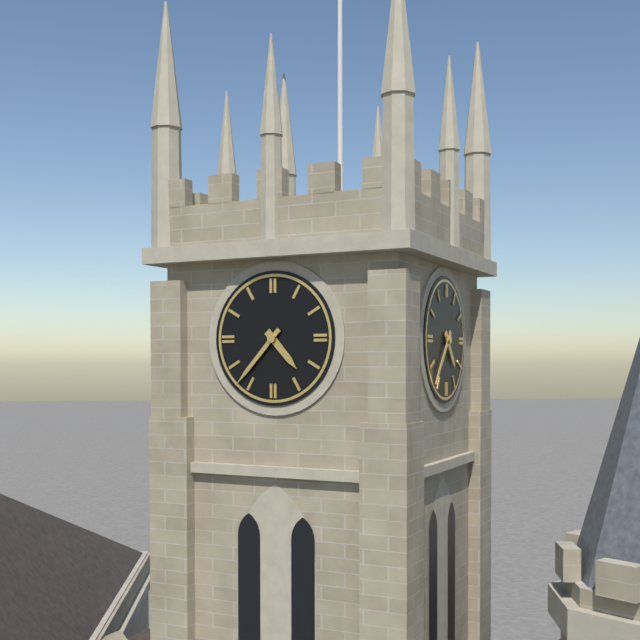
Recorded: 4 h 37 min
